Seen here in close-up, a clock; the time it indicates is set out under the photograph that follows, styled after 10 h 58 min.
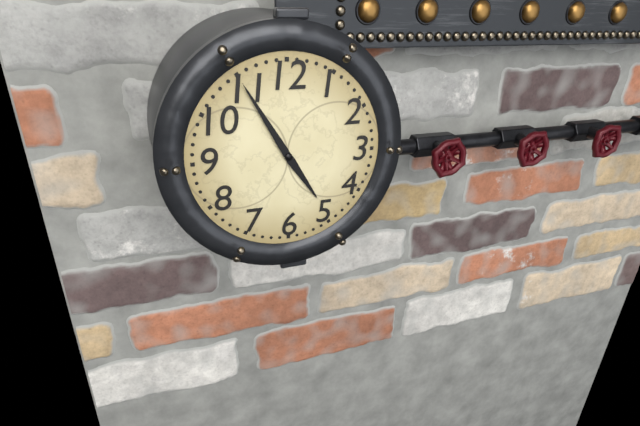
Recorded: 4 h 55 min
